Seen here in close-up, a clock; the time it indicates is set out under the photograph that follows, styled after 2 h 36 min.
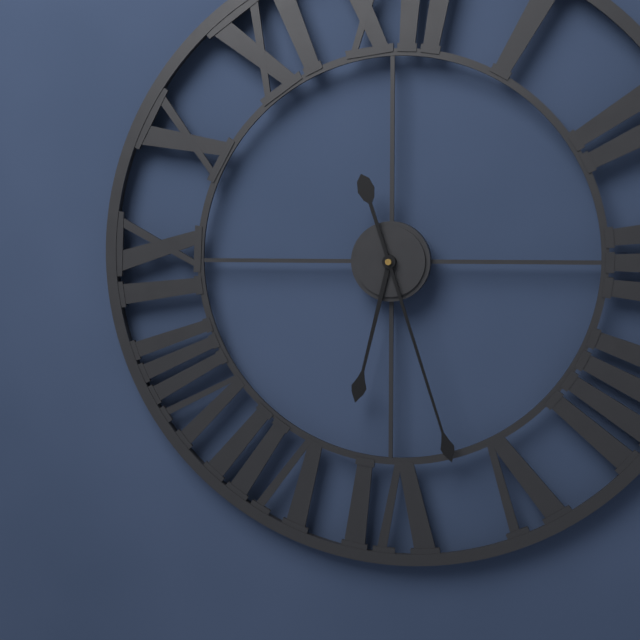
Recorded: 6 h 27 min
